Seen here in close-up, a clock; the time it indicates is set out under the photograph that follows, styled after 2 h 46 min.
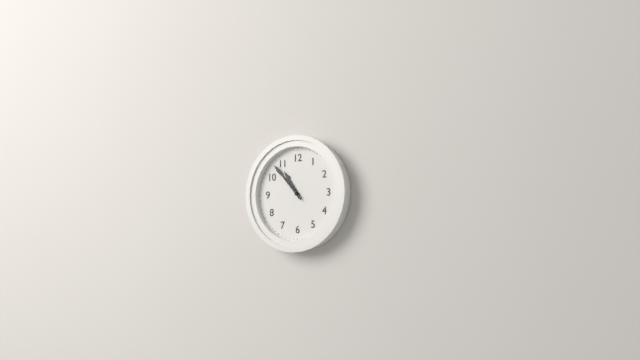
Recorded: 10 h 53 min
